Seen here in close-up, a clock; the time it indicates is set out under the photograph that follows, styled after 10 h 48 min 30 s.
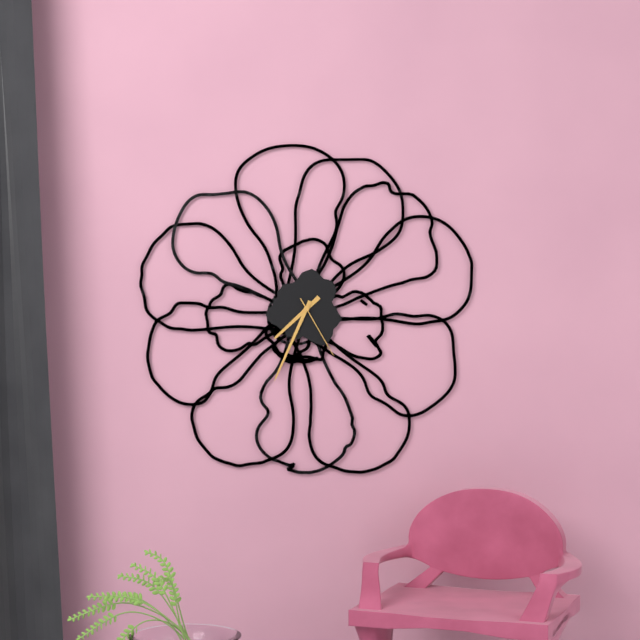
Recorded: 7 h 34 min 25 s
